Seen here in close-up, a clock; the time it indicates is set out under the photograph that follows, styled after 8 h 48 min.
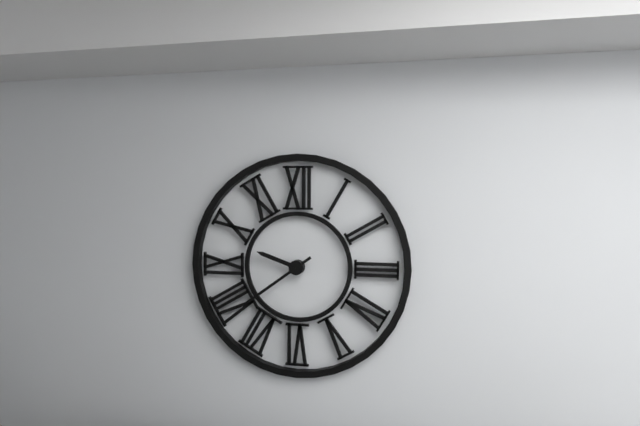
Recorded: 9 h 39 min
